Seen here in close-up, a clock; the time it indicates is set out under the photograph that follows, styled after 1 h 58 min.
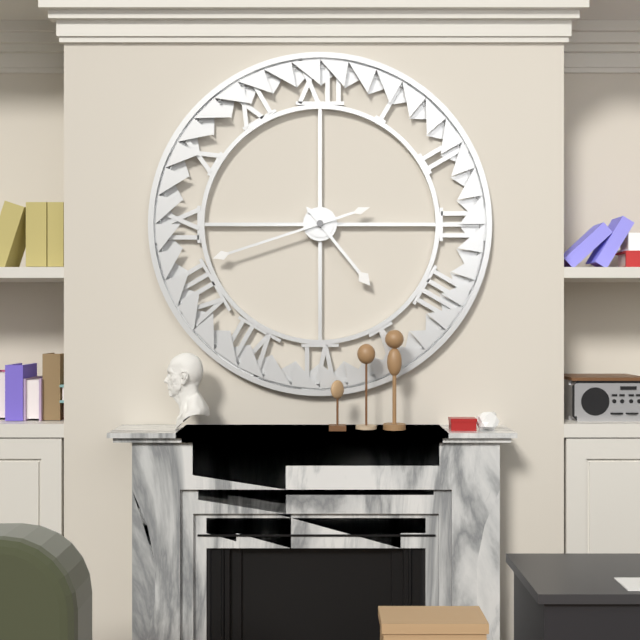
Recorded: 4 h 42 min
